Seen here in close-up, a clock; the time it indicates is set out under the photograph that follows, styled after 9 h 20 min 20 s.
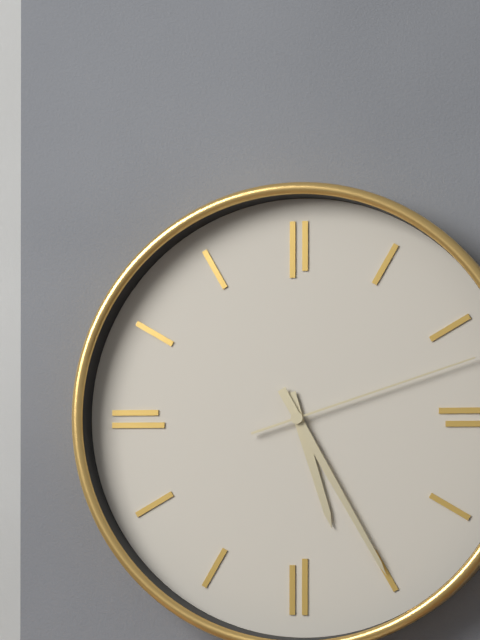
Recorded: 5 h 25 min 12 s
